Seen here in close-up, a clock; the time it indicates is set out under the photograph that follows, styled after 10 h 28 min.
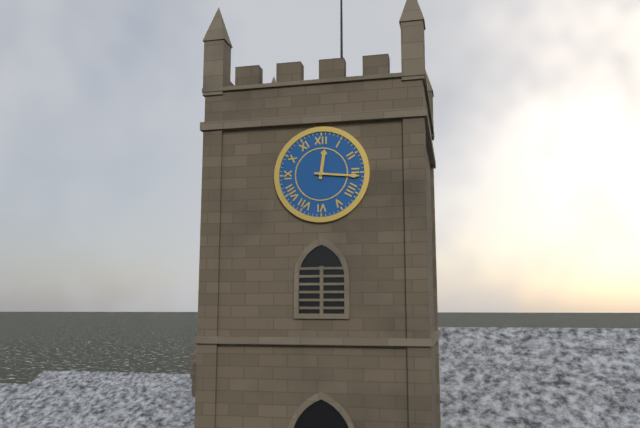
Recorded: 12 h 16 min
